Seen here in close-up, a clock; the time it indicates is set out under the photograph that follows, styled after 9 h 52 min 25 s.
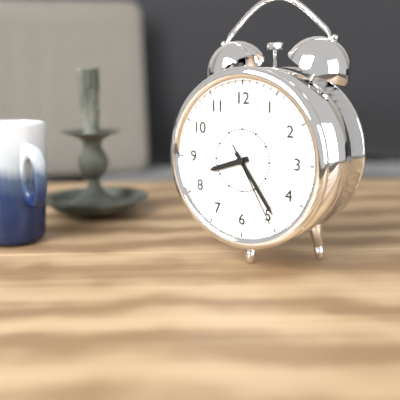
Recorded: 8 h 24 min 25 s
